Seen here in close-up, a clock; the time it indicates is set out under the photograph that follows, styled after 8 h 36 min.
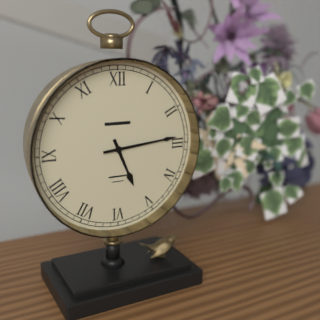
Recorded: 5 h 14 min
